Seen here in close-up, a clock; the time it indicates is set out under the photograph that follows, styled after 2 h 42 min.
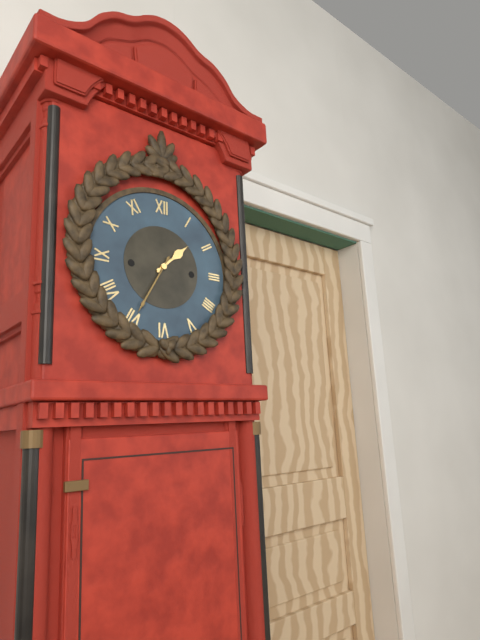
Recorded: 1 h 35 min
